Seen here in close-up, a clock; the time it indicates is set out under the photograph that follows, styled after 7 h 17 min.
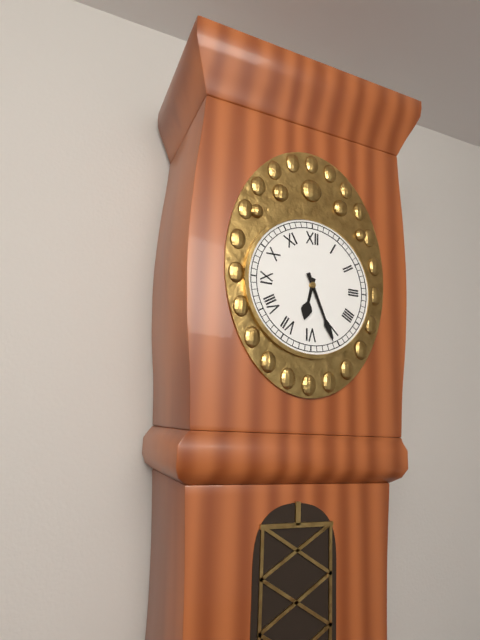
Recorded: 6 h 26 min
